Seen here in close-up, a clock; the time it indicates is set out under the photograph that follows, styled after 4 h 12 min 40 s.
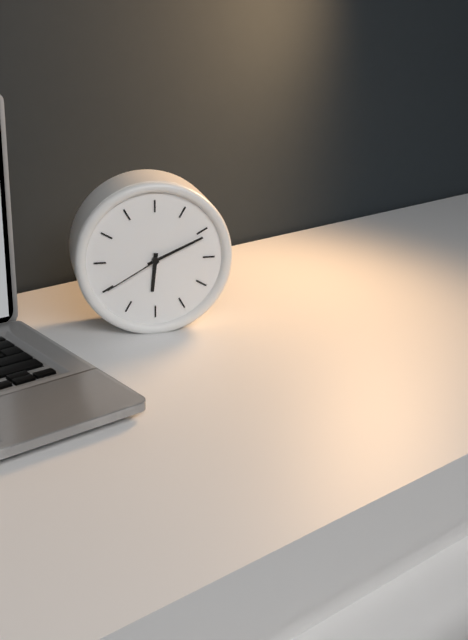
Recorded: 6 h 11 min 40 s
